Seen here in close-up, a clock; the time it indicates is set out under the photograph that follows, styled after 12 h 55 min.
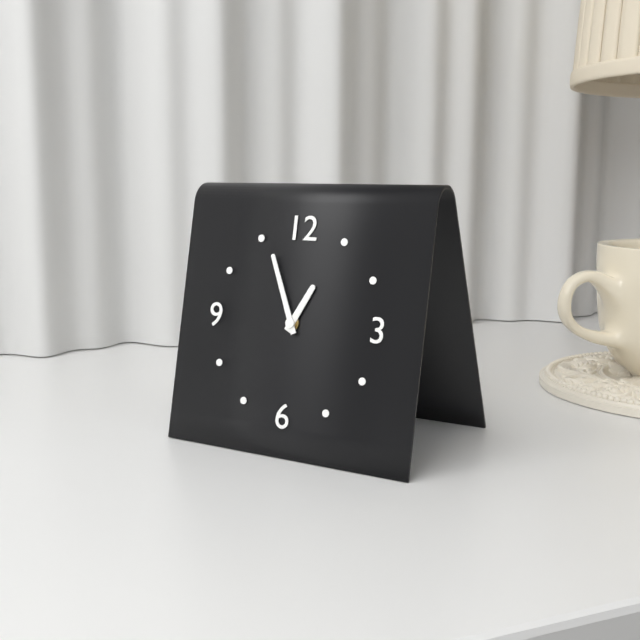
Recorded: 12 h 56 min
